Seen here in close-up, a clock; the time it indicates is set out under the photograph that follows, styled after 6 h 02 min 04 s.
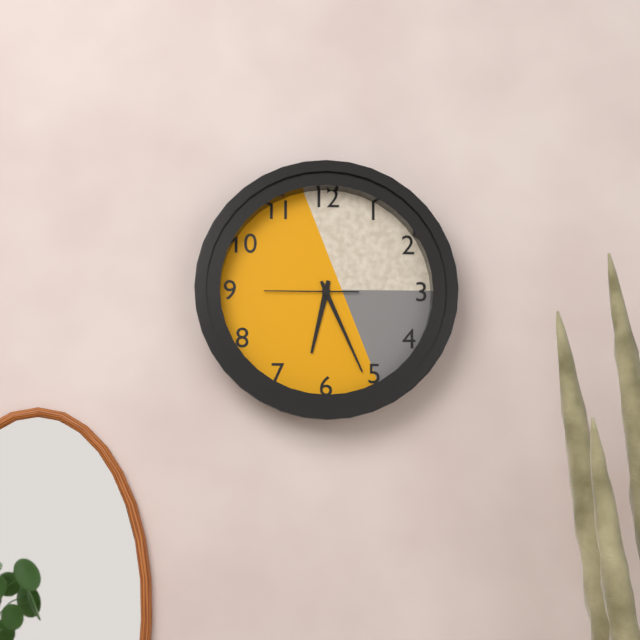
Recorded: 6 h 26 min 45 s
